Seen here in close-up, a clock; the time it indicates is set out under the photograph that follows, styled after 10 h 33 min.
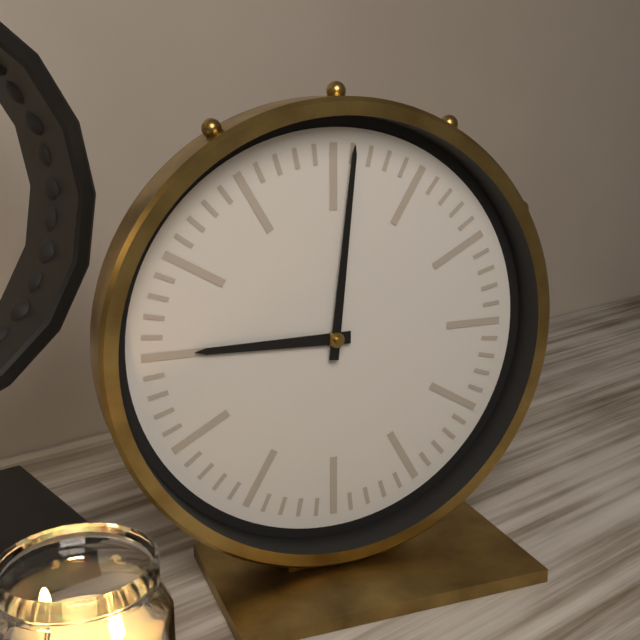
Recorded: 9 h 01 min
